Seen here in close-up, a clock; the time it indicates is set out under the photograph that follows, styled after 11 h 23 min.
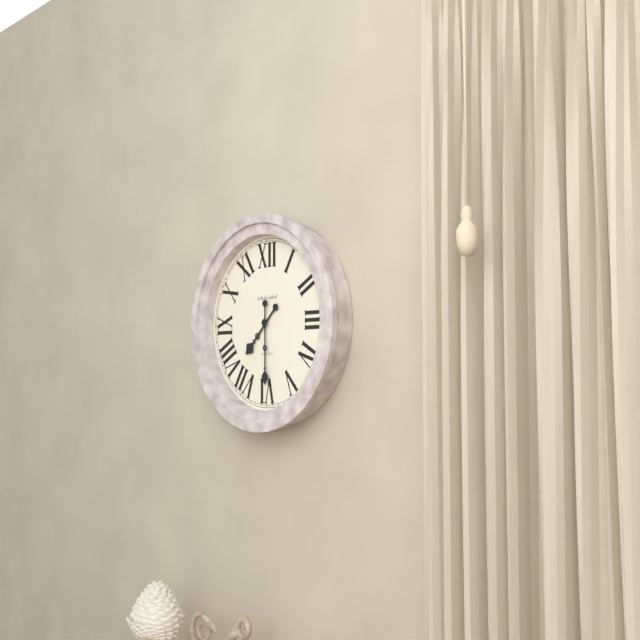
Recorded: 7 h 30 min
